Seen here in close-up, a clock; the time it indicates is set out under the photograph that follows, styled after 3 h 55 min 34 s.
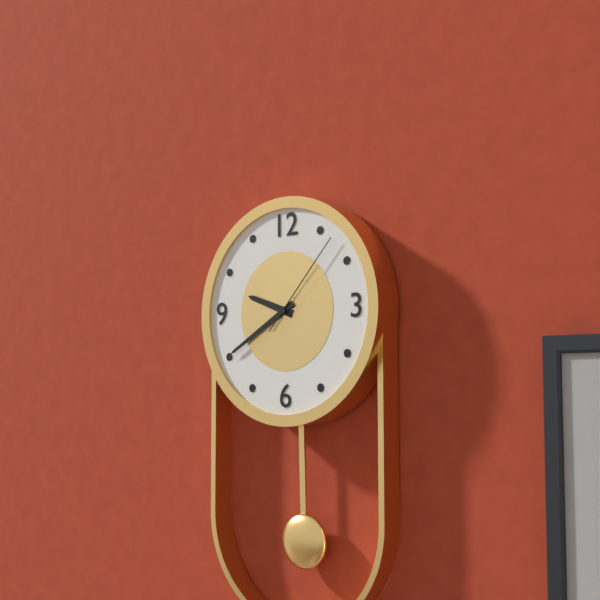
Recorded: 9 h 40 min 07 s
